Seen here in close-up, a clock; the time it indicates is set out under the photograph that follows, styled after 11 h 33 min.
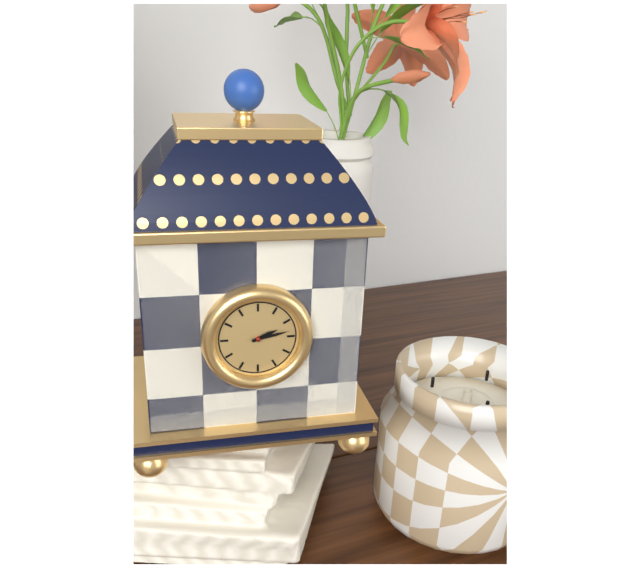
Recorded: 2 h 13 min
